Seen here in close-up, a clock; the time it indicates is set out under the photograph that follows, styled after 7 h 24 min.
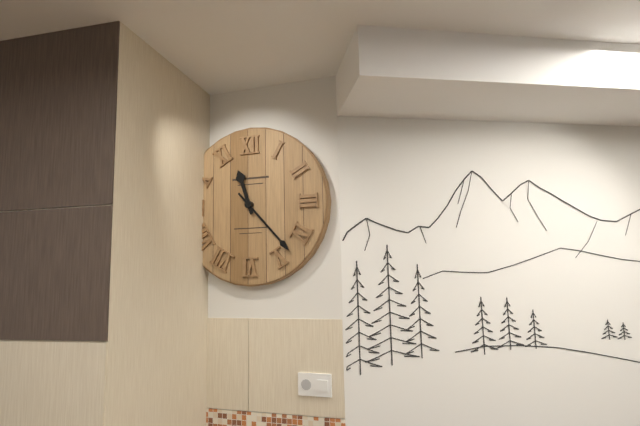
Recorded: 11 h 23 min
